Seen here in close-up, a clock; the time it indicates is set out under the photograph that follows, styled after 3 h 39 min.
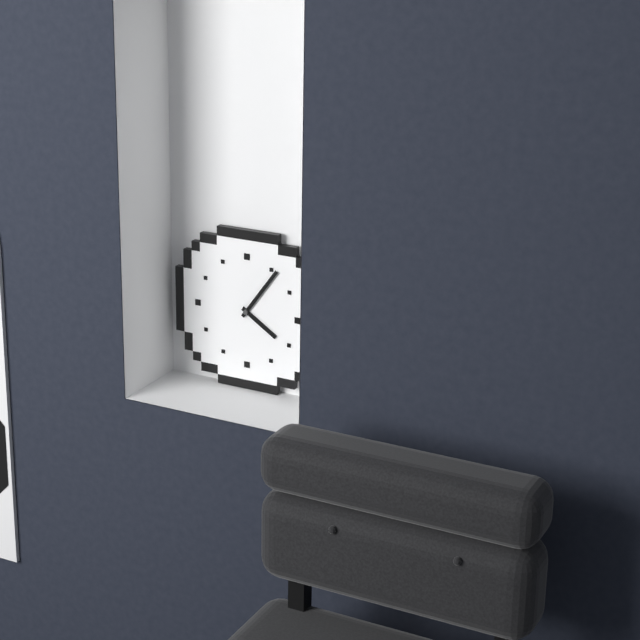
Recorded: 4 h 06 min
